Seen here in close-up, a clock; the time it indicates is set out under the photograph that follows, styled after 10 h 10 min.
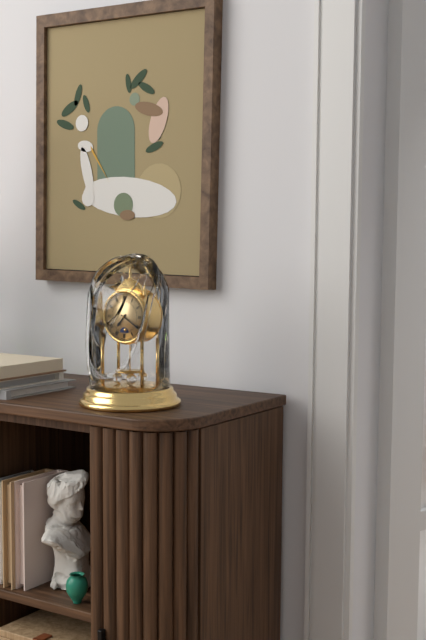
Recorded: 7 h 20 min
